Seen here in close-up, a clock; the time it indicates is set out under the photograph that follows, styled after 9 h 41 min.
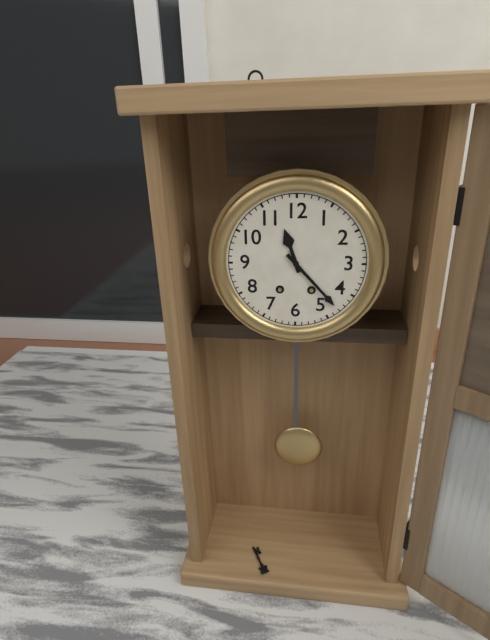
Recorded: 11 h 23 min
